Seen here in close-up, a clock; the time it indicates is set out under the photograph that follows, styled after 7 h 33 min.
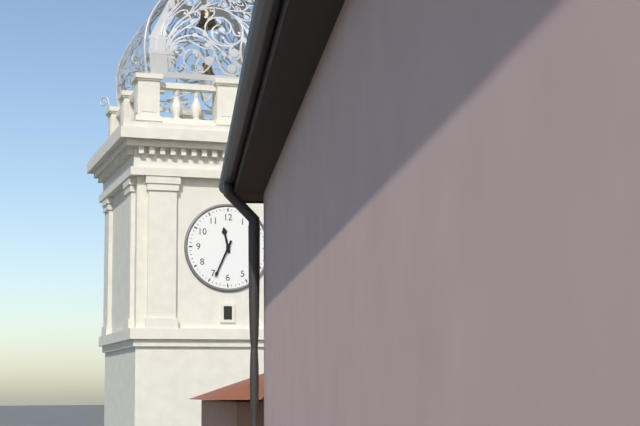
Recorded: 11 h 34 min
